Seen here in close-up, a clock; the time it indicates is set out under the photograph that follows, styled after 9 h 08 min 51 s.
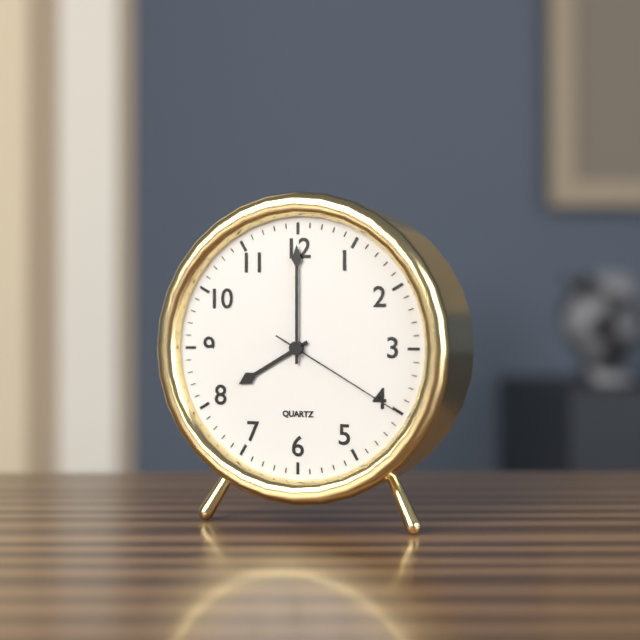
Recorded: 8 h 00 min 20 s
